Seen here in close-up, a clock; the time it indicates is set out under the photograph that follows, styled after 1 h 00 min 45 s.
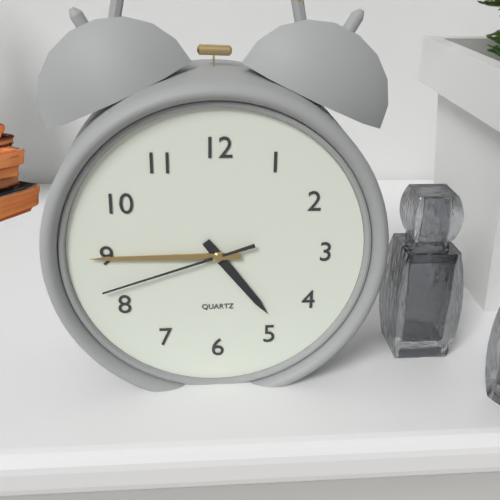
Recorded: 4 h 45 min 42 s
